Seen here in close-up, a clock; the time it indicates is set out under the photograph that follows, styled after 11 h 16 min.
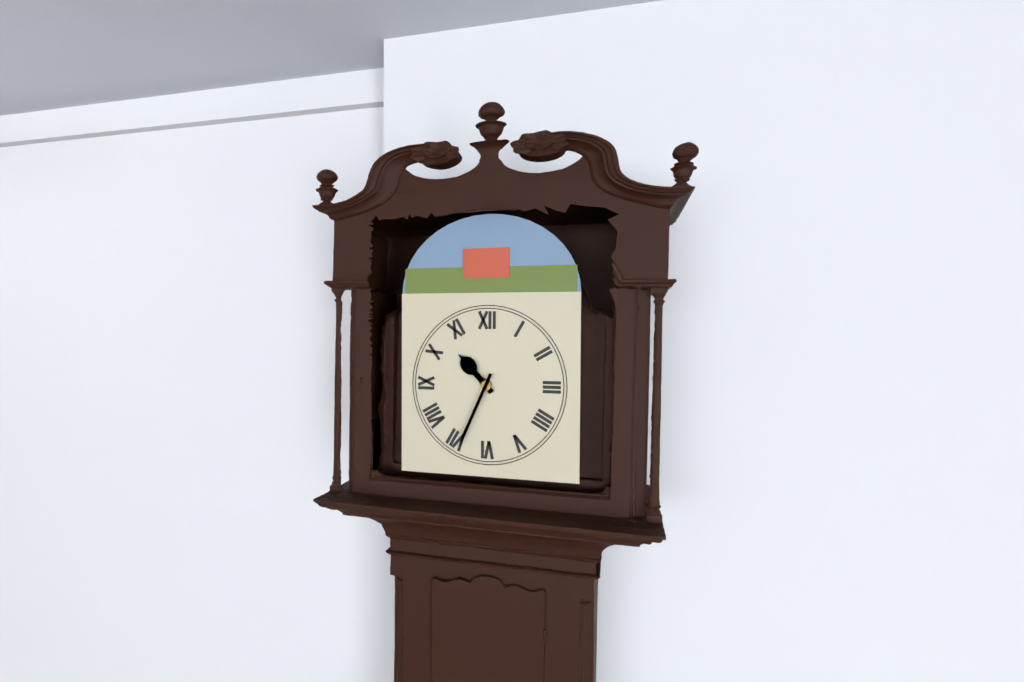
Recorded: 10 h 34 min
